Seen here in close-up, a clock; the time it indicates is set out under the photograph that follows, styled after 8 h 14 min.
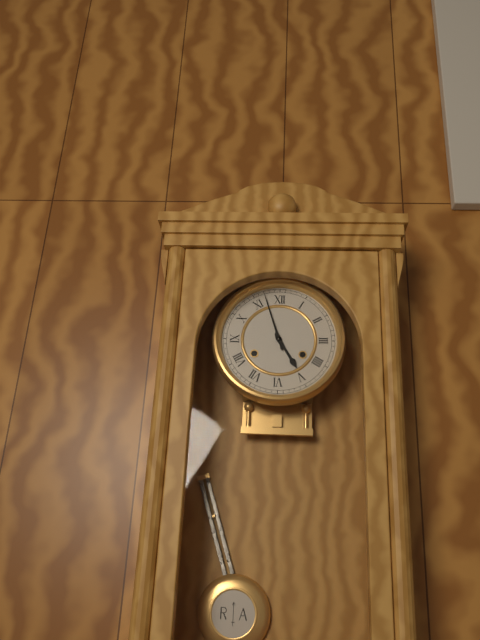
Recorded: 4 h 57 min
